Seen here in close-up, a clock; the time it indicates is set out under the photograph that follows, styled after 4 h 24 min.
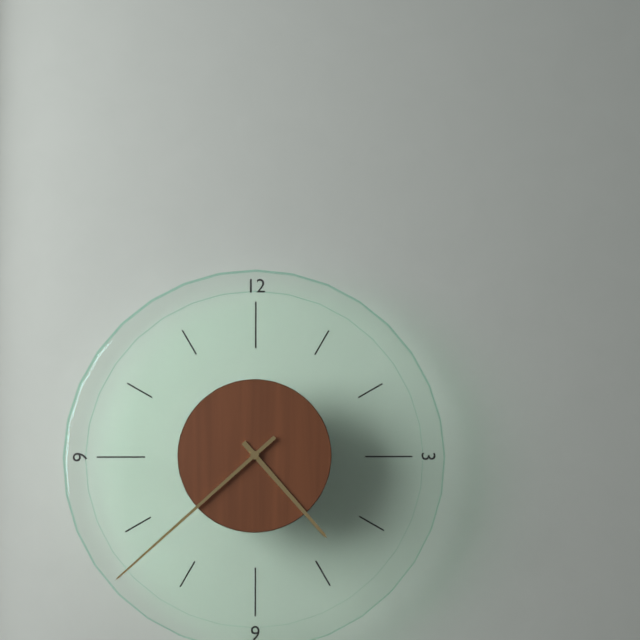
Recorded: 4 h 38 min
